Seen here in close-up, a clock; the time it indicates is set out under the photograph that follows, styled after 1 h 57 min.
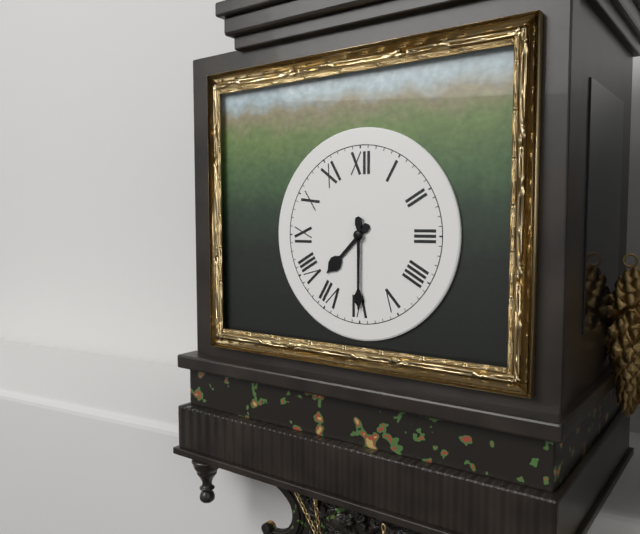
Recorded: 7 h 30 min
